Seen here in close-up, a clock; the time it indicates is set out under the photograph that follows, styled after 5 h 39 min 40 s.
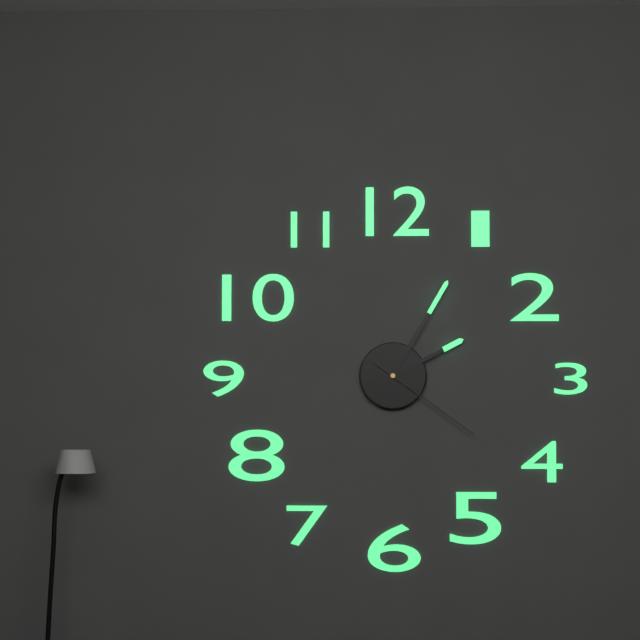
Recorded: 2 h 05 min 21 s
